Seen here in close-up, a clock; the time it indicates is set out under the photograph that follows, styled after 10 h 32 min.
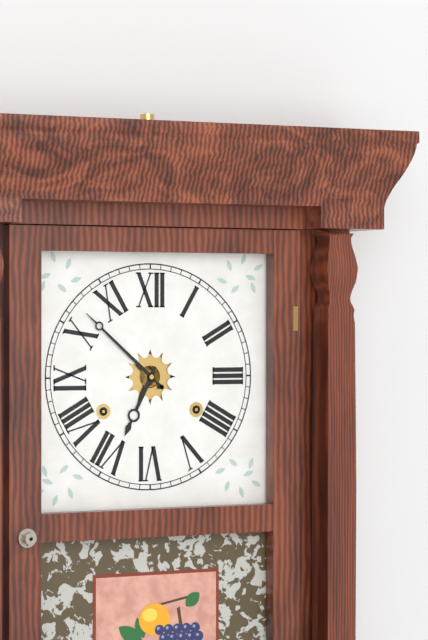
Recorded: 6 h 52 min
